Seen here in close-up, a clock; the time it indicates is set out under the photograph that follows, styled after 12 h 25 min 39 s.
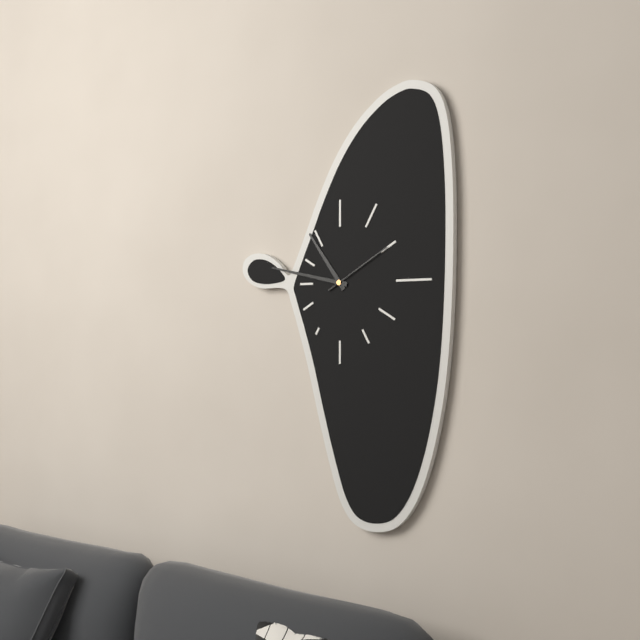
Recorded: 10 h 47 min 10 s
